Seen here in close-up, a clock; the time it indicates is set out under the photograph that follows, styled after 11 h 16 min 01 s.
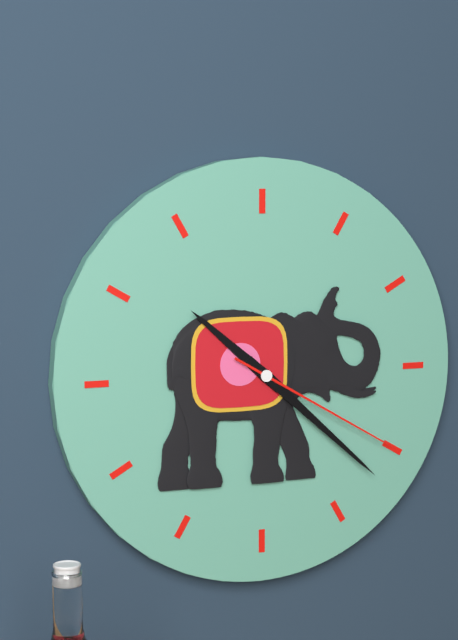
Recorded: 10 h 22 min 20 s
